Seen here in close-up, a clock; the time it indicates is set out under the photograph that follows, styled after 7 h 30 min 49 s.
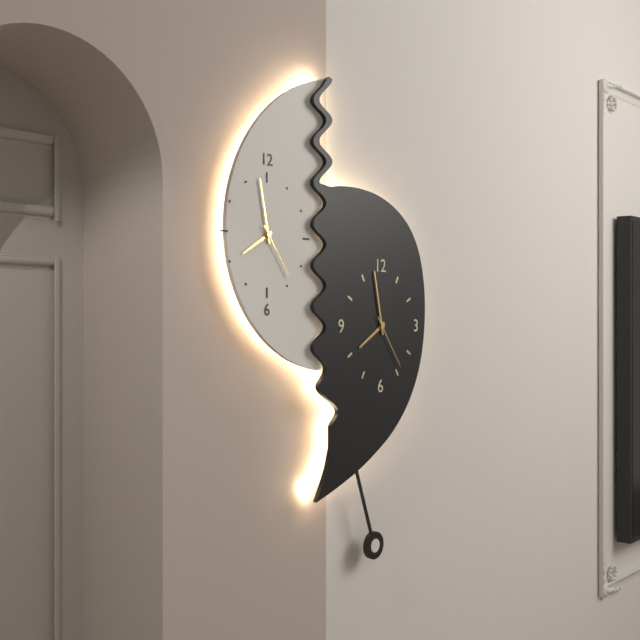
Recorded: 7 h 58 min 24 s
